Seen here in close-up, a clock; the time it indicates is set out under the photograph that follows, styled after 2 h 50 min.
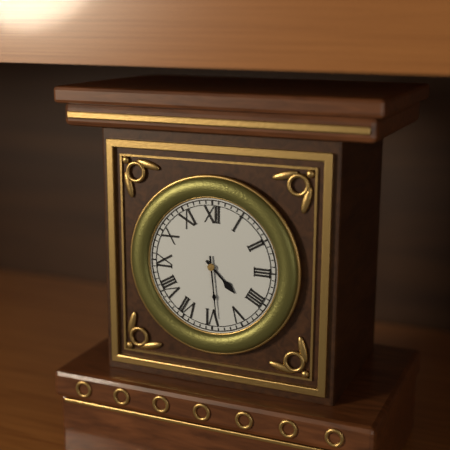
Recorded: 4 h 29 min
